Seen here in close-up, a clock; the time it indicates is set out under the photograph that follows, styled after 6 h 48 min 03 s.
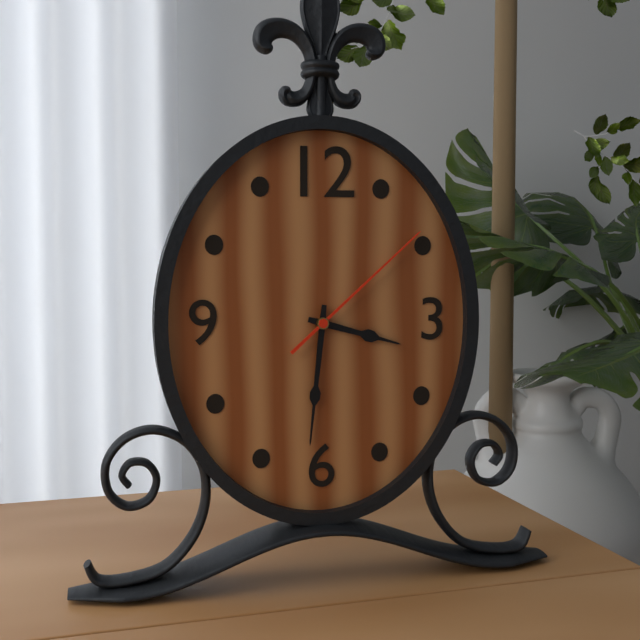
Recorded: 3 h 31 min 08 s
